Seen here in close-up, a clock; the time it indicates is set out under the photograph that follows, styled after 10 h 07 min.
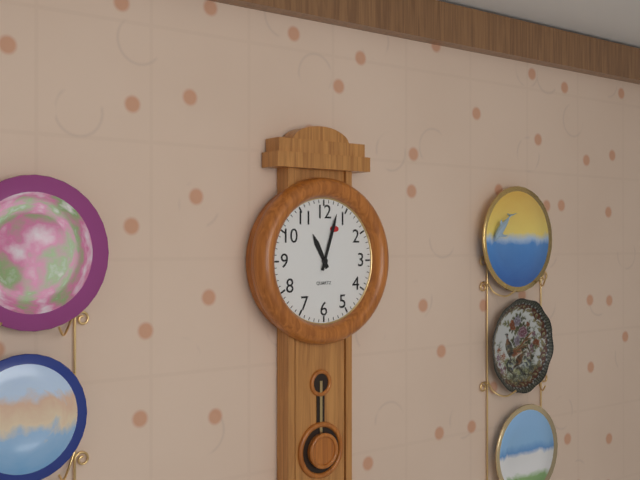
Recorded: 11 h 03 min
